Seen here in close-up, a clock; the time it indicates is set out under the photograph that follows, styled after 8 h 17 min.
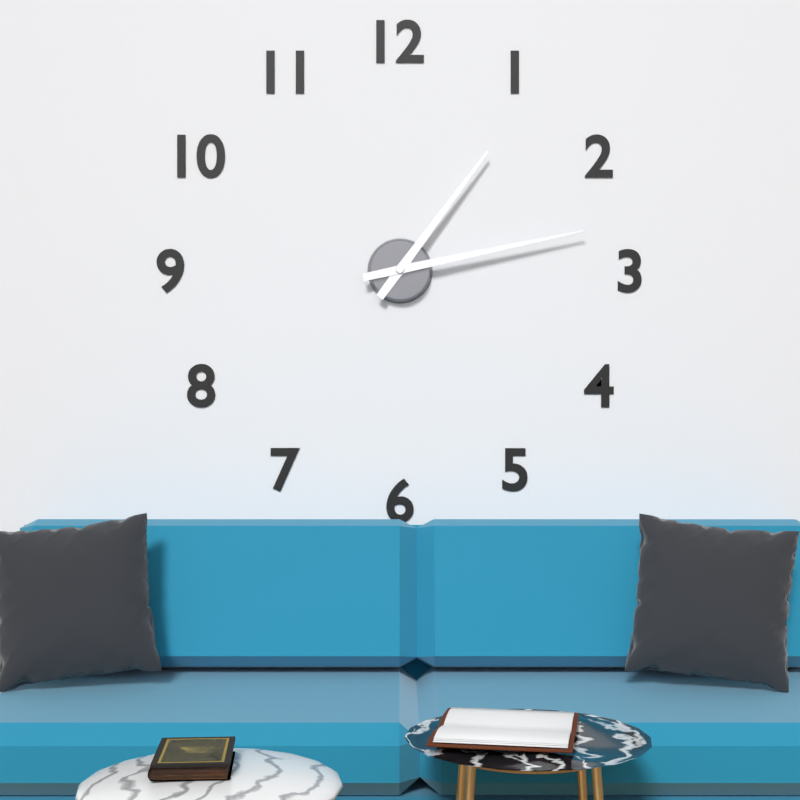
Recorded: 1 h 13 min
